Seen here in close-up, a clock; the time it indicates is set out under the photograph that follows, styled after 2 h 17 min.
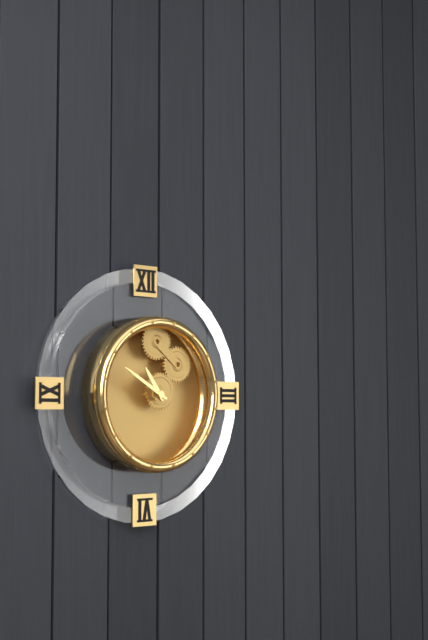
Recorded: 10 h 50 min
